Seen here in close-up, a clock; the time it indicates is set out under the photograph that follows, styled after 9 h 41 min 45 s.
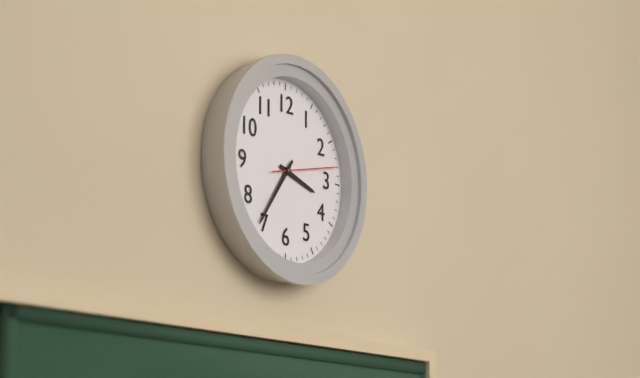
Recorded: 3 h 36 min 13 s
